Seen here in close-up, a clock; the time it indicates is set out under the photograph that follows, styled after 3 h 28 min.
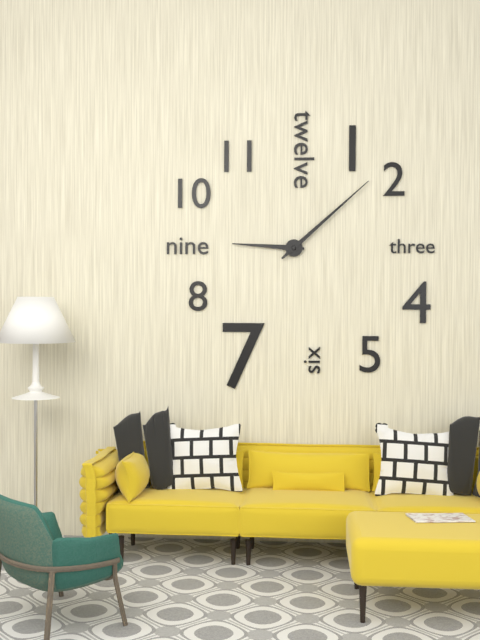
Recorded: 9 h 08 min
